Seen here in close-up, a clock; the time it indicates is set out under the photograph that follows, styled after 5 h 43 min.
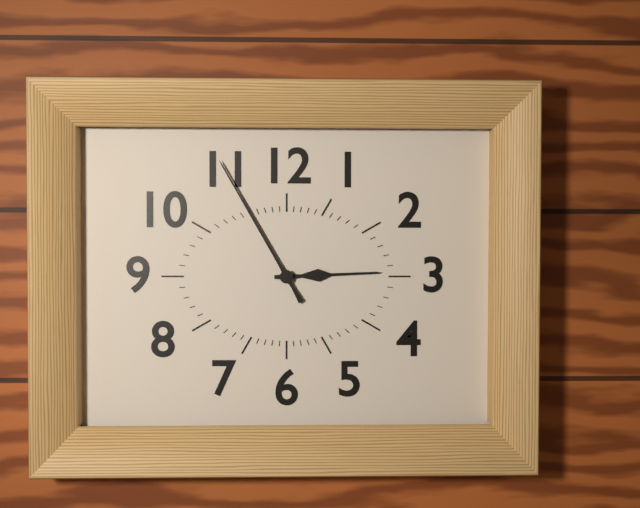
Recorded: 2 h 55 min
